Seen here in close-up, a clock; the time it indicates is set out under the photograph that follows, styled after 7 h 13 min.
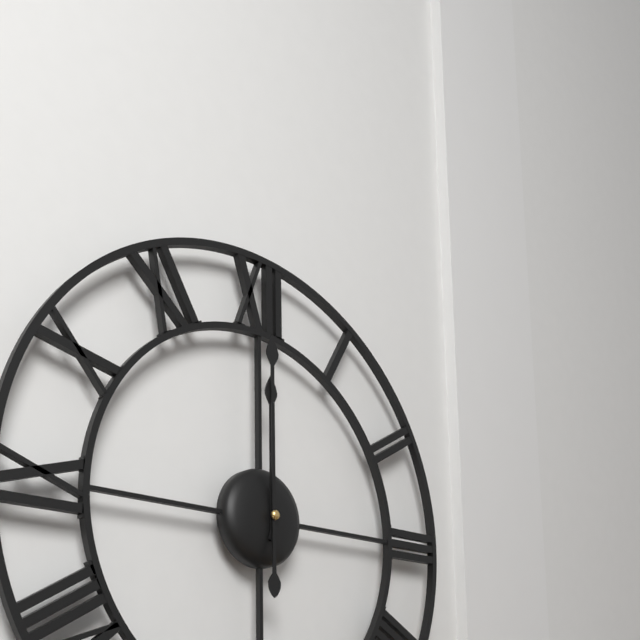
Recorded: 12 h 00 min
